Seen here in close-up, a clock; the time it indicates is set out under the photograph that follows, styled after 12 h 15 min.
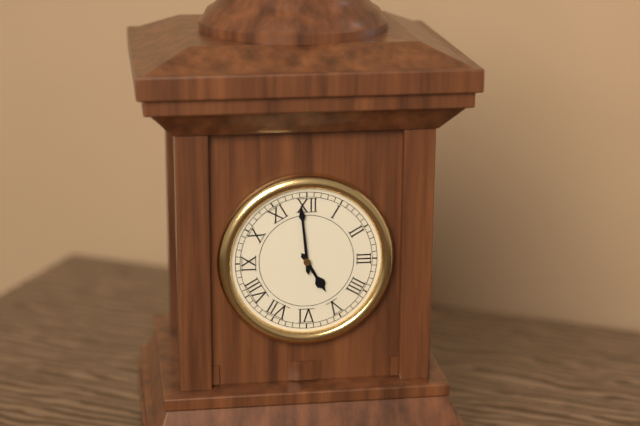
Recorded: 4 h 59 min
